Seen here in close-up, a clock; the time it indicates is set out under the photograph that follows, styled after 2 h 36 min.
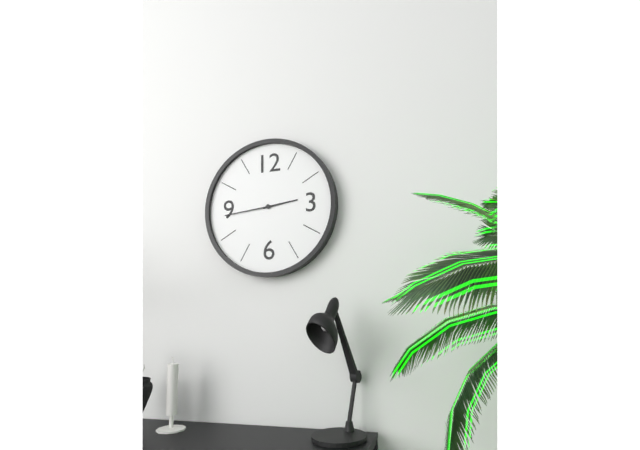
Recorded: 2 h 44 min
